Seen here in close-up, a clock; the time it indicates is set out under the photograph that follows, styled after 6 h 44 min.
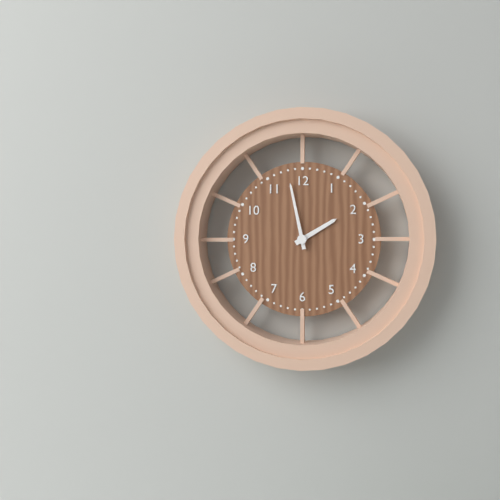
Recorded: 1 h 58 min
